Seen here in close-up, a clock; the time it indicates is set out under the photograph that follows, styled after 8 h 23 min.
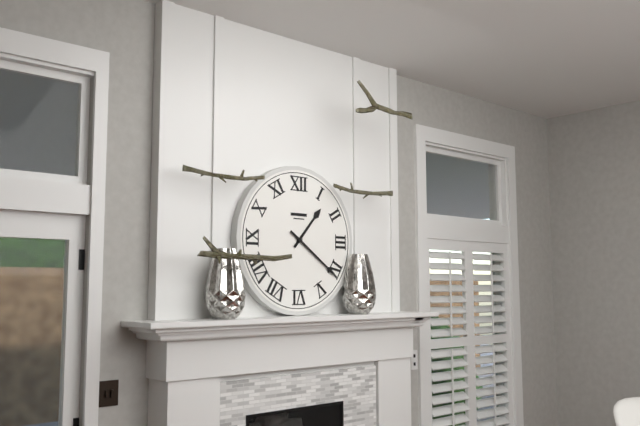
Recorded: 1 h 21 min
